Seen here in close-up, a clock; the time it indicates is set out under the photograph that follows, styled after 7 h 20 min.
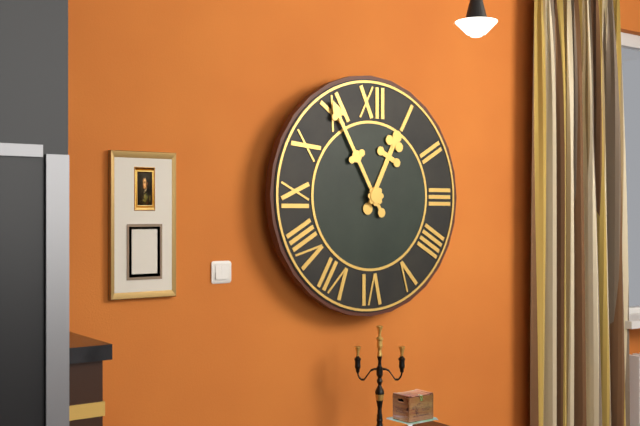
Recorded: 12 h 55 min
